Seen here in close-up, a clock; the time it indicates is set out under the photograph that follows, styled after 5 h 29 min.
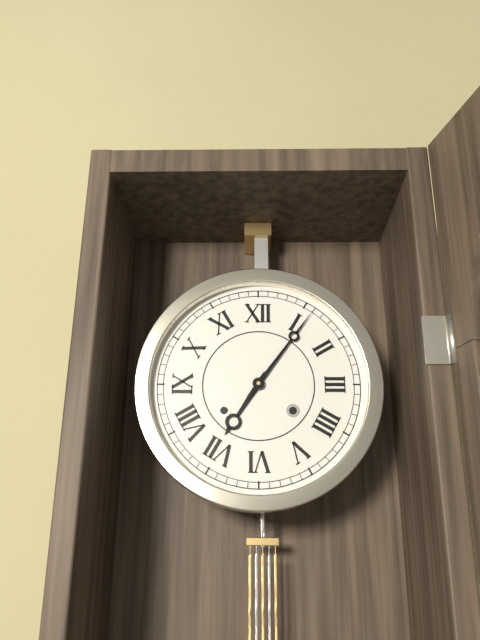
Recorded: 7 h 06 min
